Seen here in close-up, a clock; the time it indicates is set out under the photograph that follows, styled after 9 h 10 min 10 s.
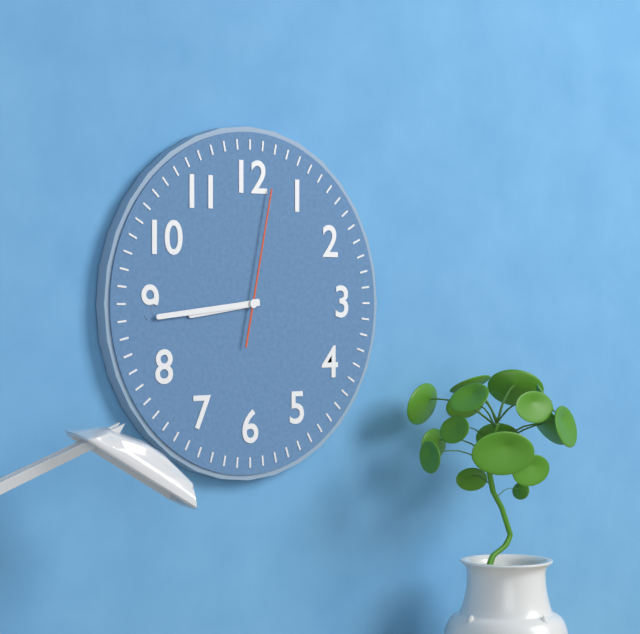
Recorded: 8 h 44 min 02 s
